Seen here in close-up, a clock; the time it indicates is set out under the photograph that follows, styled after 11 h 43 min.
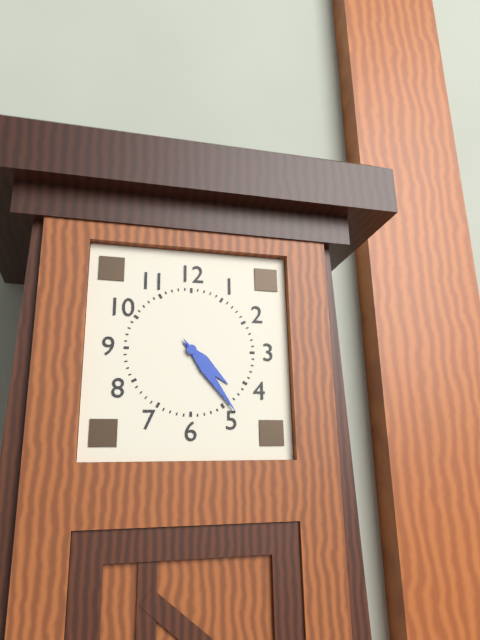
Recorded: 4 h 24 min
